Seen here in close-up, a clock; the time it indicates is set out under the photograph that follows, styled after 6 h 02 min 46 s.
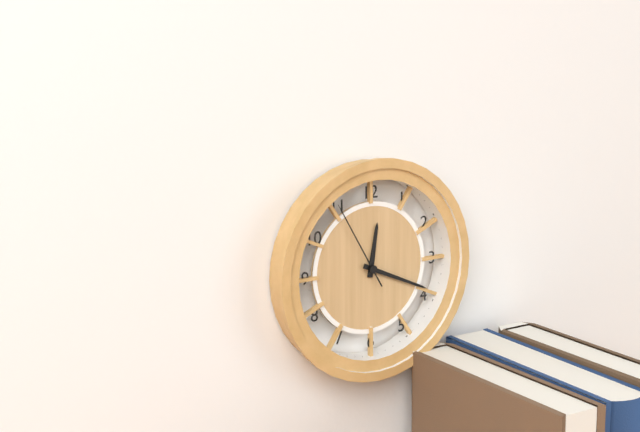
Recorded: 12 h 19 min 55 s
